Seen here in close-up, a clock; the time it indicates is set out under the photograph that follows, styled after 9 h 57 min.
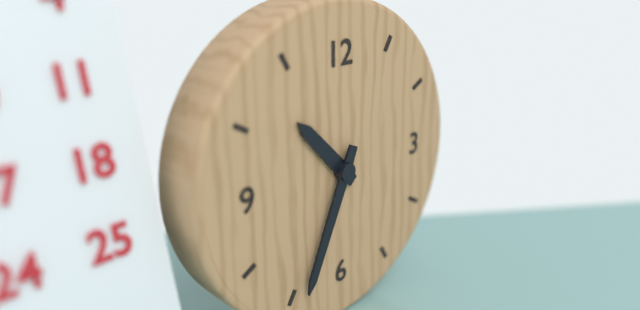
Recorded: 10 h 34 min
